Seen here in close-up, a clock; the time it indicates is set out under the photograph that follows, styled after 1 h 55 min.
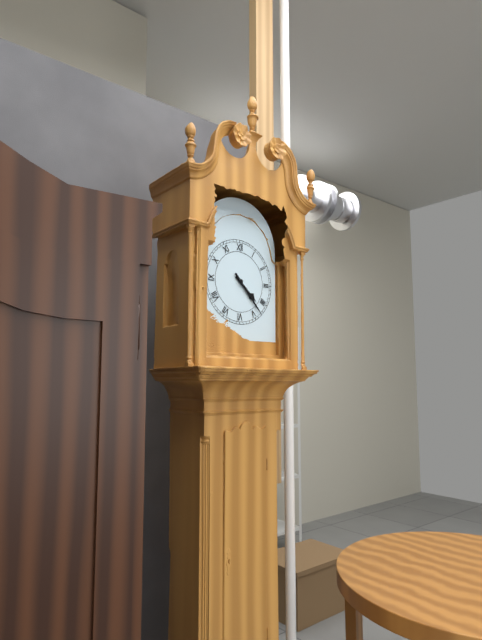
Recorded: 4 h 23 min
